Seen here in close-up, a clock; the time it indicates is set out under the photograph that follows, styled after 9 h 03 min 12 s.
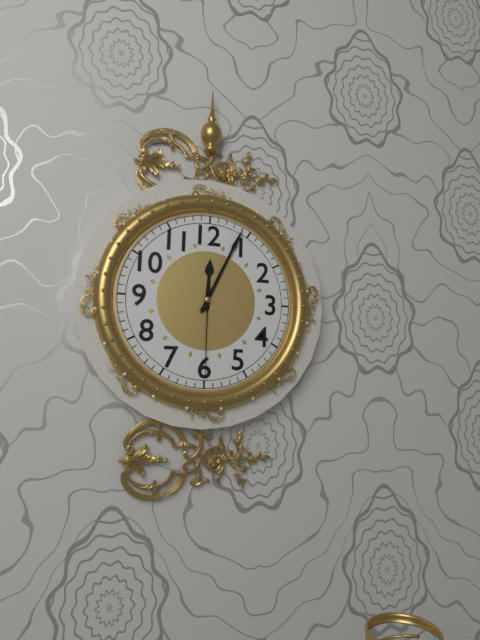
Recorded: 12 h 04 min 30 s
